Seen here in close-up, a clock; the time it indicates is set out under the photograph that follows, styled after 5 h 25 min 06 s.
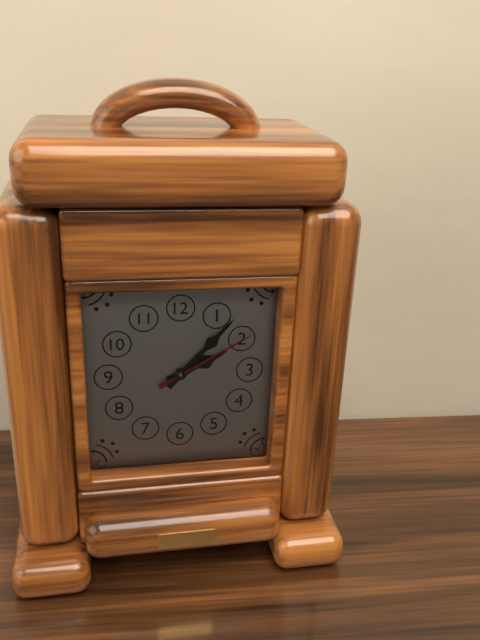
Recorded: 2 h 07 min 10 s
